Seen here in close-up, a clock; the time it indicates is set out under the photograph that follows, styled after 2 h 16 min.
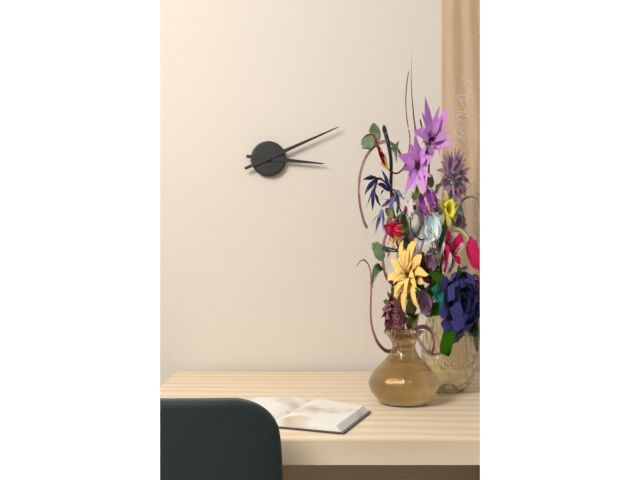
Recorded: 3 h 11 min
